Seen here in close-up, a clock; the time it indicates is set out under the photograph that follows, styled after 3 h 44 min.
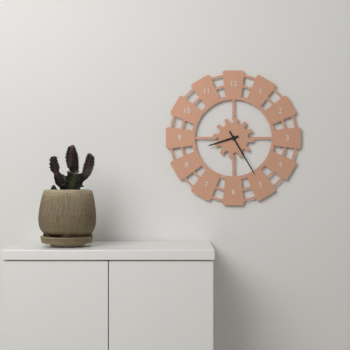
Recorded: 8 h 25 min
